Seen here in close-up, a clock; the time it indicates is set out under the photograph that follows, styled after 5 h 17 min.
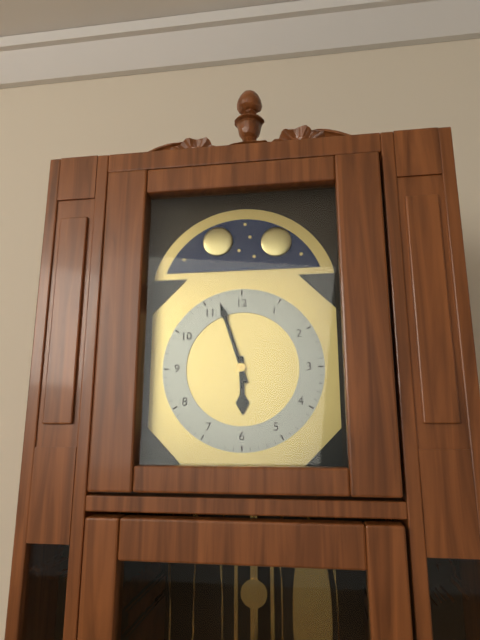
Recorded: 5 h 57 min
